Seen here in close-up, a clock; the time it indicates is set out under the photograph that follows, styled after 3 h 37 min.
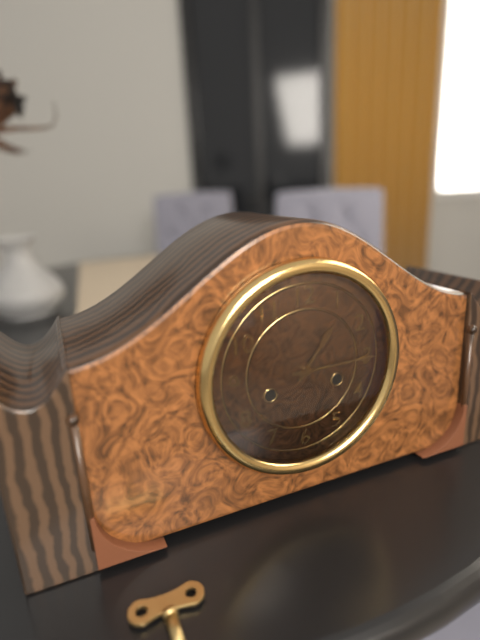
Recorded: 1 h 15 min
